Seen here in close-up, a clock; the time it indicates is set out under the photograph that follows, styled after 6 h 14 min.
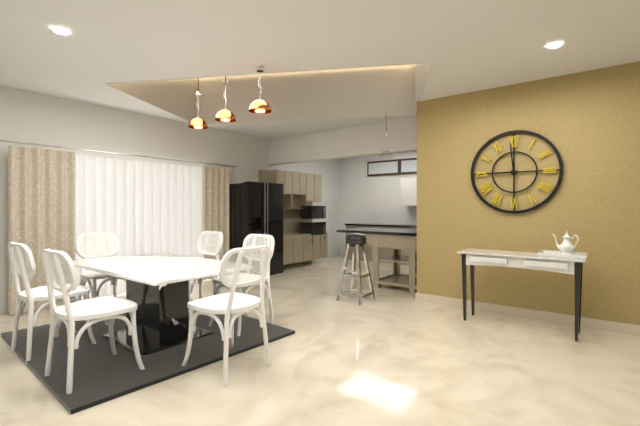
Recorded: 8 h 59 min
